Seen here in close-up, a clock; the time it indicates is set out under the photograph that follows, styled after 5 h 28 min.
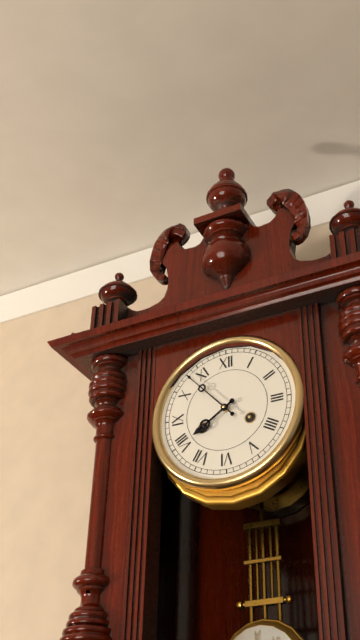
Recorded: 7 h 53 min
